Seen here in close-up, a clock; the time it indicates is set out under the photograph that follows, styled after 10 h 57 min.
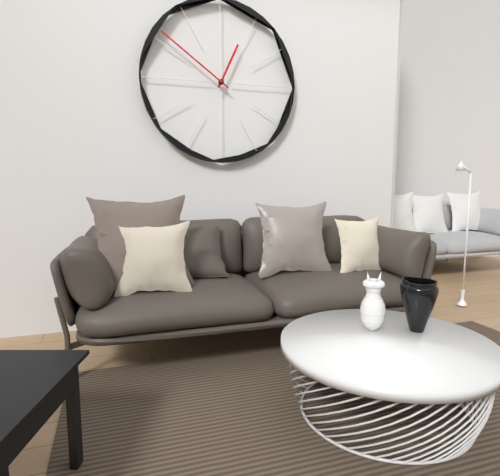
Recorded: 12 h 51 min
